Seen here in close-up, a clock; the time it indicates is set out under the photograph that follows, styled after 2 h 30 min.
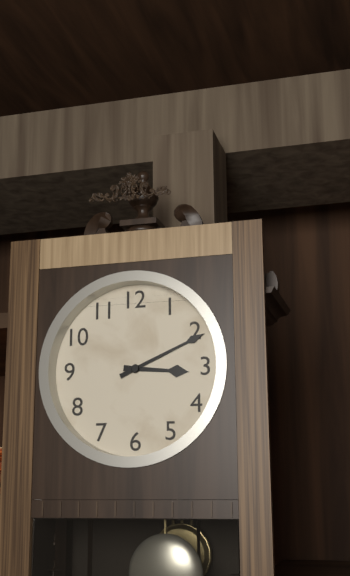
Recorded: 3 h 11 min
